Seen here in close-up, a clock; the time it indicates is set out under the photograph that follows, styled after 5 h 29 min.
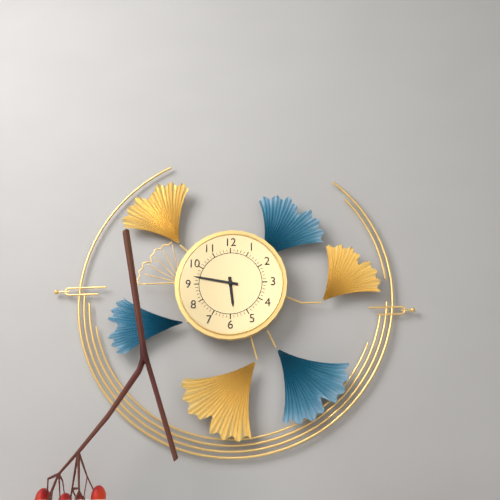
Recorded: 5 h 47 min
